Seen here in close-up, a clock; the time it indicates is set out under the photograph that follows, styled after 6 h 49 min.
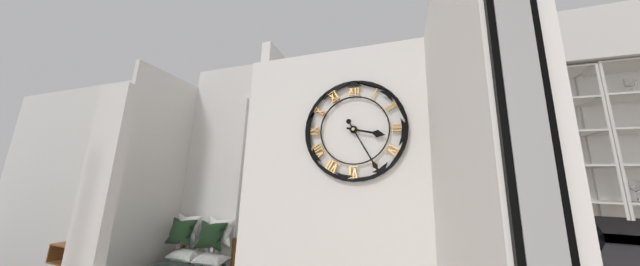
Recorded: 3 h 25 min
